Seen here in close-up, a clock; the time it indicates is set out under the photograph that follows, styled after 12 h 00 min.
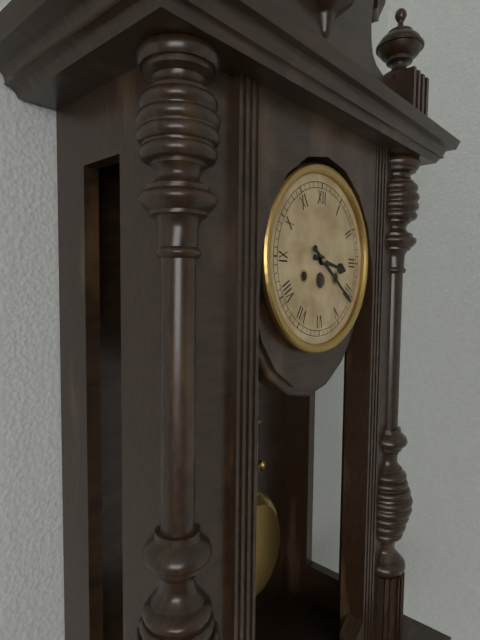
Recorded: 3 h 21 min
